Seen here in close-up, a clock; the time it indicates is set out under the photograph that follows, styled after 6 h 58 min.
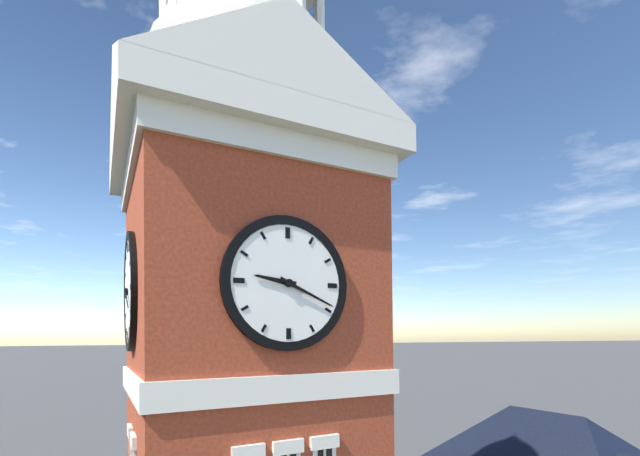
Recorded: 9 h 19 min
